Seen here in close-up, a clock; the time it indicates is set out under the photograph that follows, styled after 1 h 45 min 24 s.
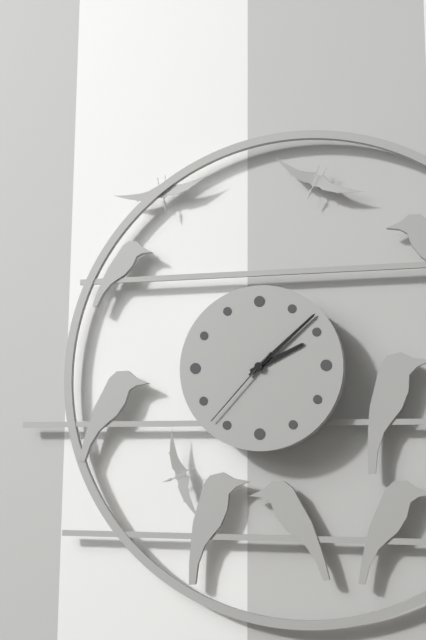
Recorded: 2 h 08 min 37 s
